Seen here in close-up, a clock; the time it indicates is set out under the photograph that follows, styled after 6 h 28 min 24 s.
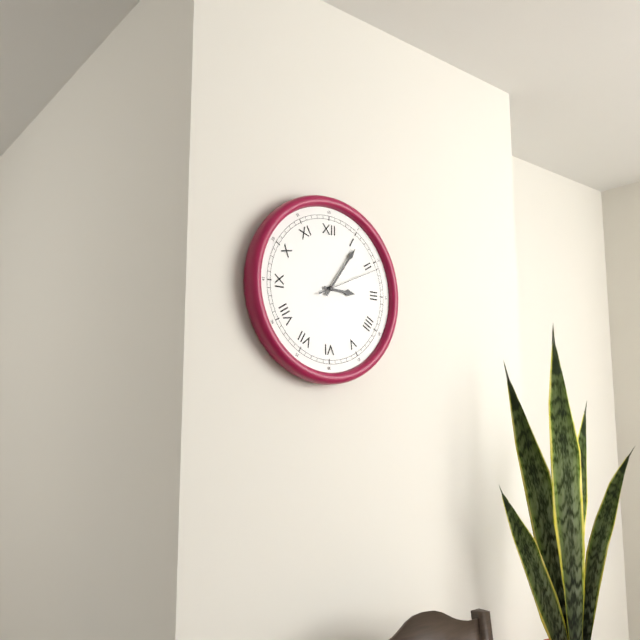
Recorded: 3 h 06 min 11 s
